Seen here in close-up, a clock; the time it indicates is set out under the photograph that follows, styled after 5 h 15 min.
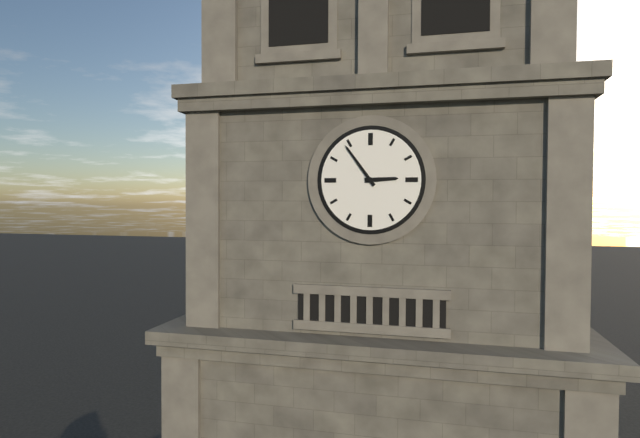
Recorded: 2 h 54 min
